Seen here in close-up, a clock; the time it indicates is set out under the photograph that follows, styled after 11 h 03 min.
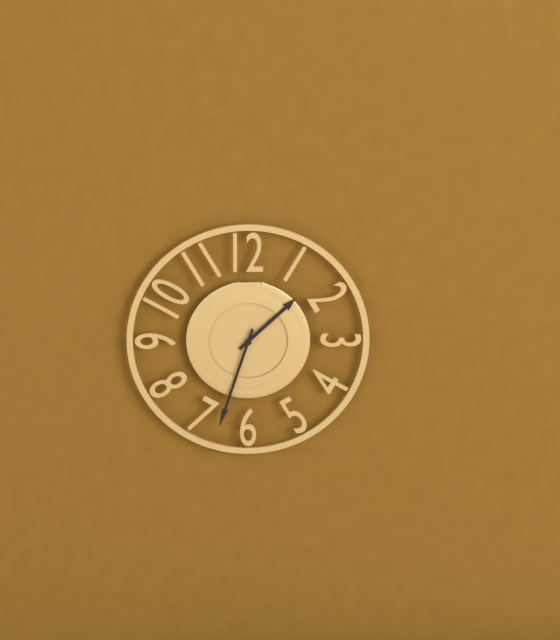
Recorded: 1 h 33 min
